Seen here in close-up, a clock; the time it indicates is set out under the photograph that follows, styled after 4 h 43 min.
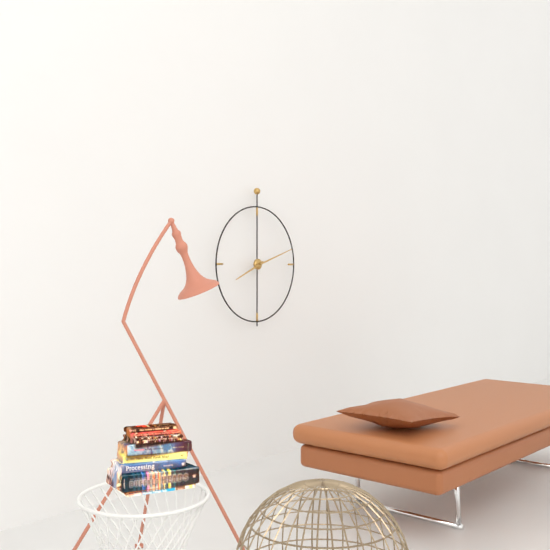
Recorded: 8 h 12 min
